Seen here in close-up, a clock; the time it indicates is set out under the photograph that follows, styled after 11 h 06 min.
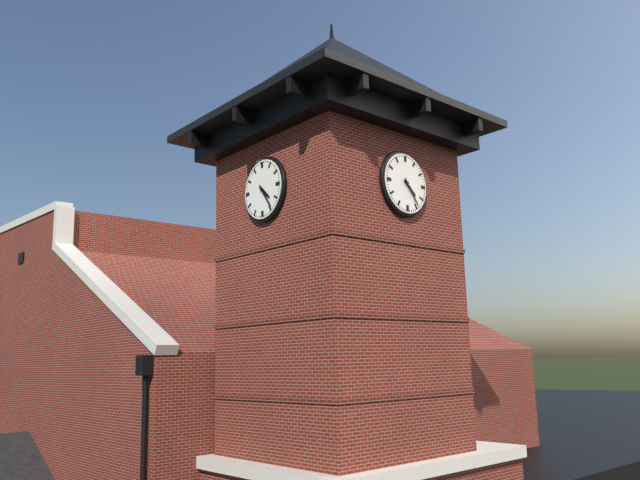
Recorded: 4 h 24 min
